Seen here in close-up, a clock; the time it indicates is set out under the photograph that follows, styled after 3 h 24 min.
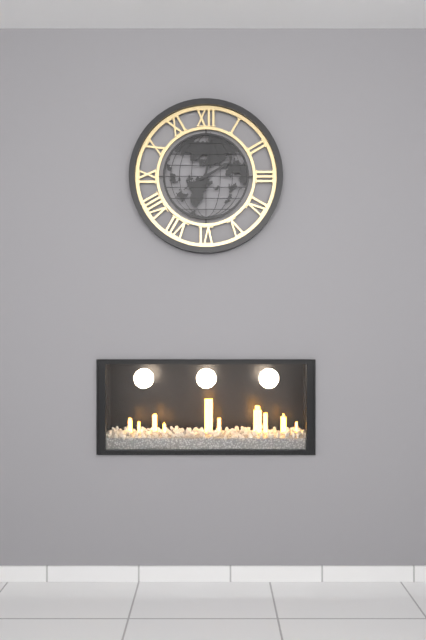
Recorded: 2 h 01 min
